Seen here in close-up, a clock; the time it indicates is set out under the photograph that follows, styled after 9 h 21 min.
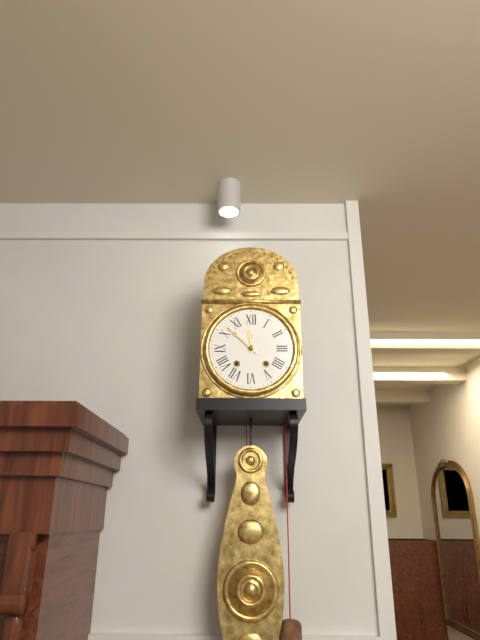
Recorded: 11 h 52 min
